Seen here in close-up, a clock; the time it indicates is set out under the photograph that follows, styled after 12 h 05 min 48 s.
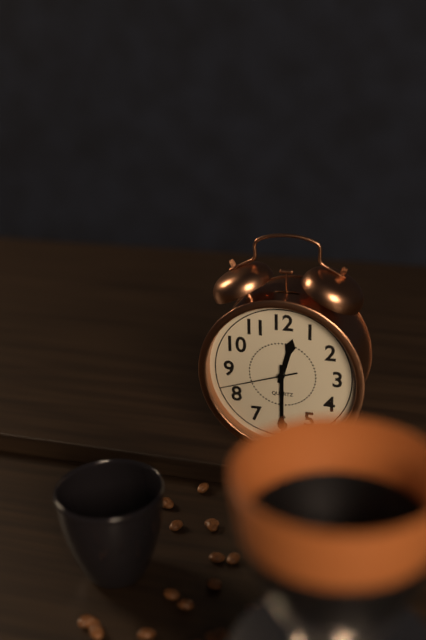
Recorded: 12 h 30 min 42 s
